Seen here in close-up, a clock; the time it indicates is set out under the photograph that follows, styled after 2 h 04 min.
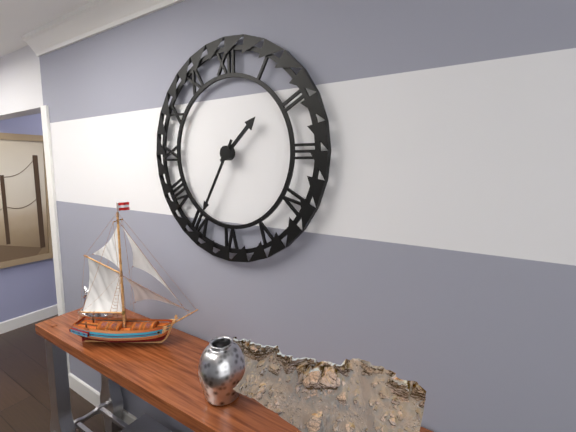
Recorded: 1 h 35 min
